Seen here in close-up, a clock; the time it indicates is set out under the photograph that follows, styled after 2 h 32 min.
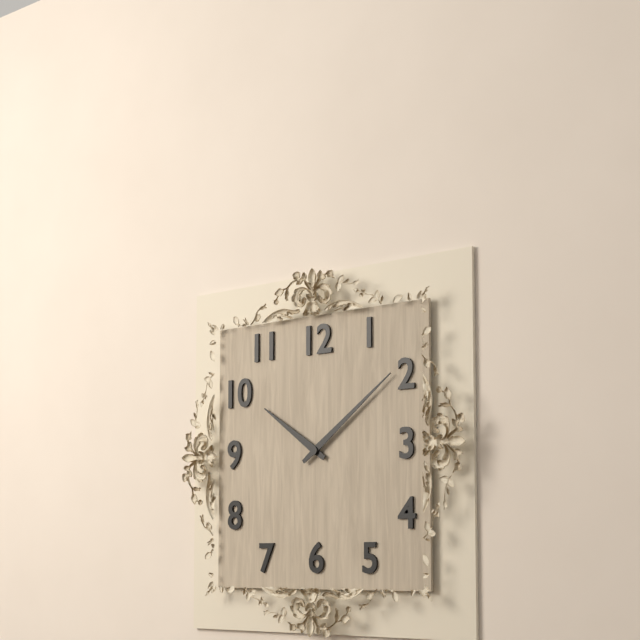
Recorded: 10 h 09 min
